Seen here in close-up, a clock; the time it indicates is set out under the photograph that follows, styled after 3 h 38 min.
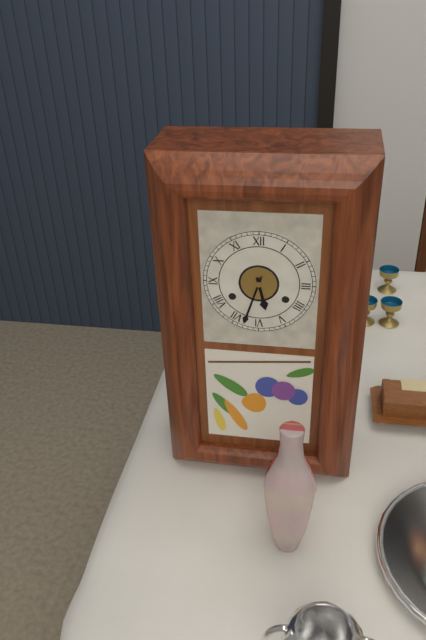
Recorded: 5 h 33 min
